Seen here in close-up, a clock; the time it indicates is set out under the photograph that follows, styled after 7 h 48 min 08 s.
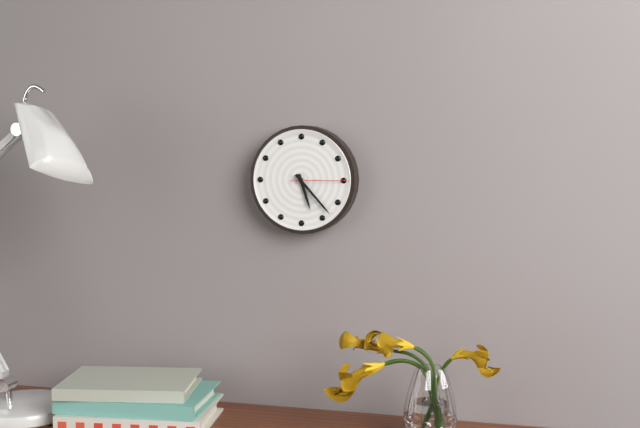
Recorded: 5 h 23 min 15 s
